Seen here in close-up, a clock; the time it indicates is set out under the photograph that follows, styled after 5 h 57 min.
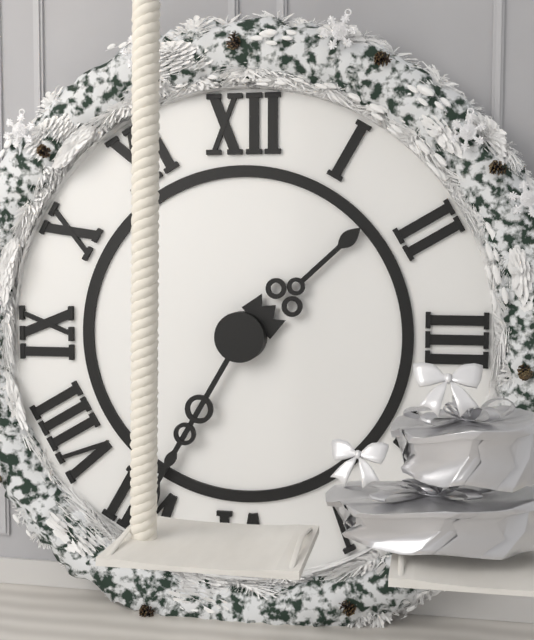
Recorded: 1 h 35 min
